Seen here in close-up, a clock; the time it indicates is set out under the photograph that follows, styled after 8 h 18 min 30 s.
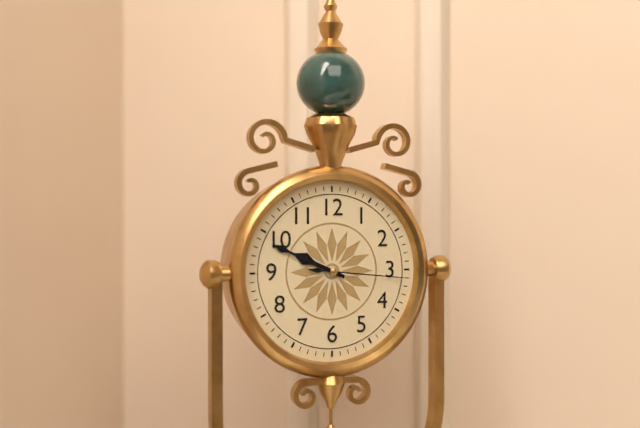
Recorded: 9 h 49 min 16 s
